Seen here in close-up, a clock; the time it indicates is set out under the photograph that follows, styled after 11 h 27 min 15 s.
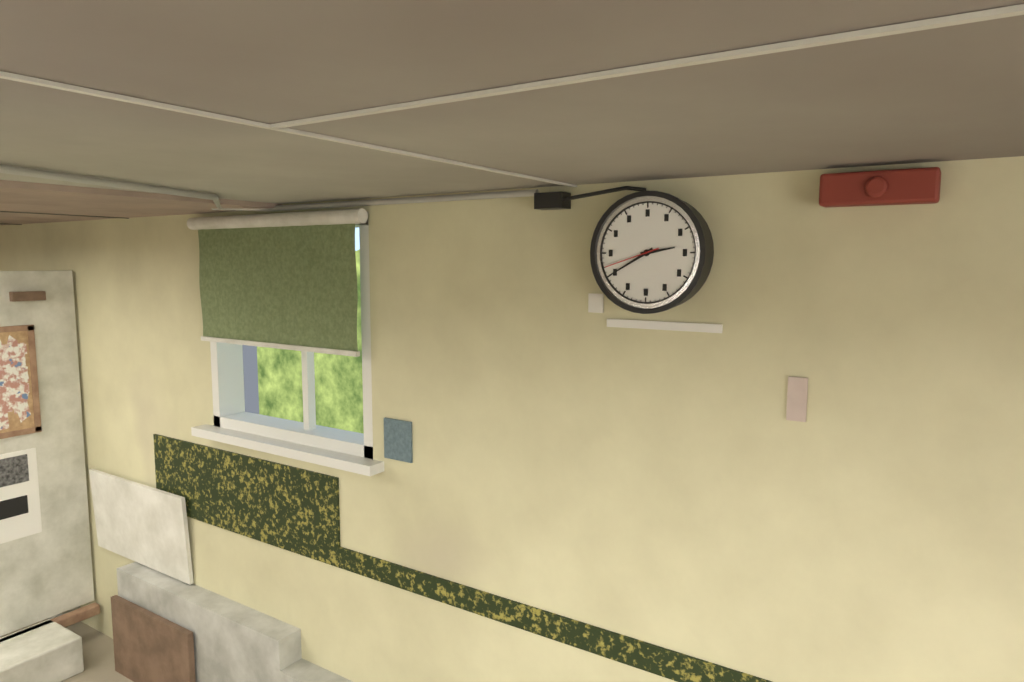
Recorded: 2 h 40 min 42 s
